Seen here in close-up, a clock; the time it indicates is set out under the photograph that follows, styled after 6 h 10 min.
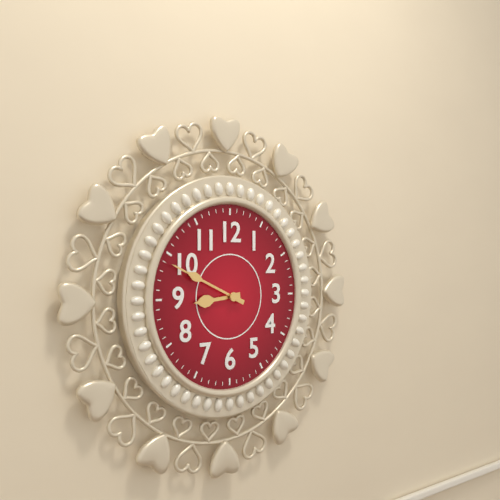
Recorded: 8 h 49 min
